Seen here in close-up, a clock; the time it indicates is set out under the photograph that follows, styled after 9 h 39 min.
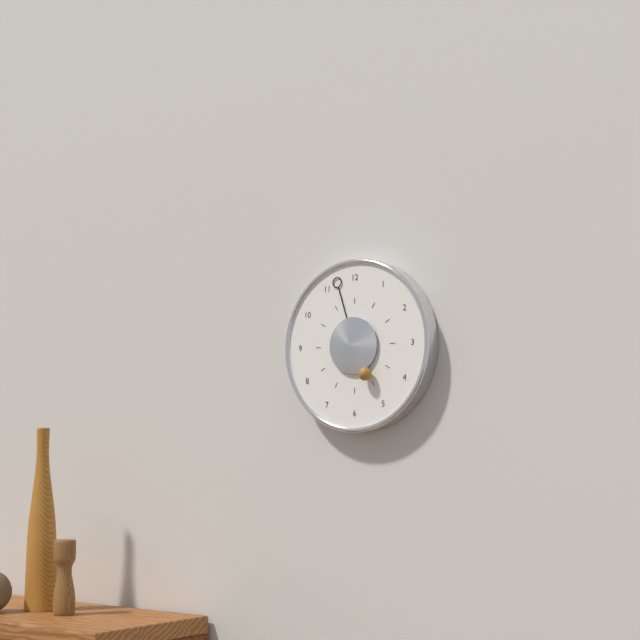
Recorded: 4 h 57 min
